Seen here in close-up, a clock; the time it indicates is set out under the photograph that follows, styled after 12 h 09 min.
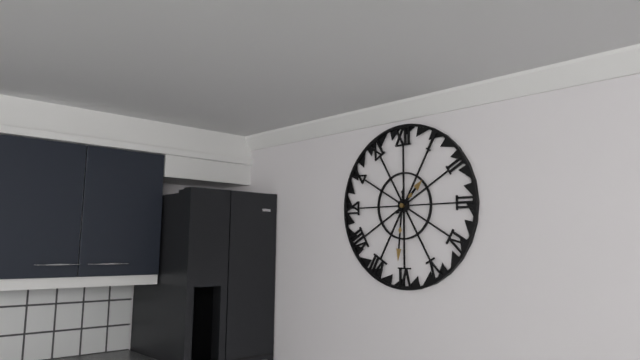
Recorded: 1 h 31 min
